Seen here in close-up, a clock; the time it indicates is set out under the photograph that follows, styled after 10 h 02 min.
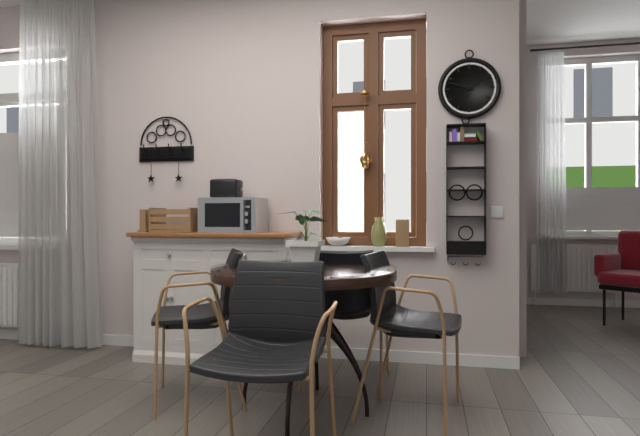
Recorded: 1 h 48 min
